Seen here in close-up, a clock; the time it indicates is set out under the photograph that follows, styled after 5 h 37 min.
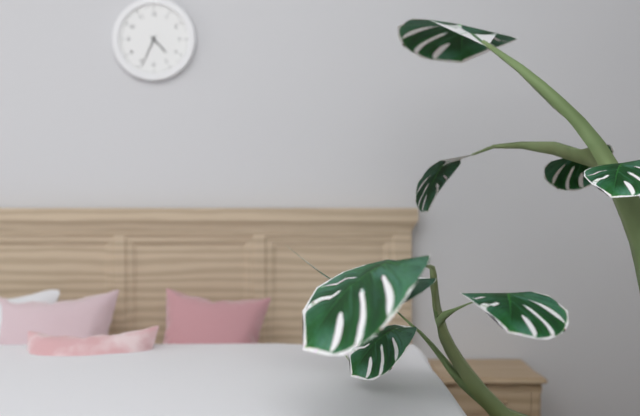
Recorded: 4 h 34 min
